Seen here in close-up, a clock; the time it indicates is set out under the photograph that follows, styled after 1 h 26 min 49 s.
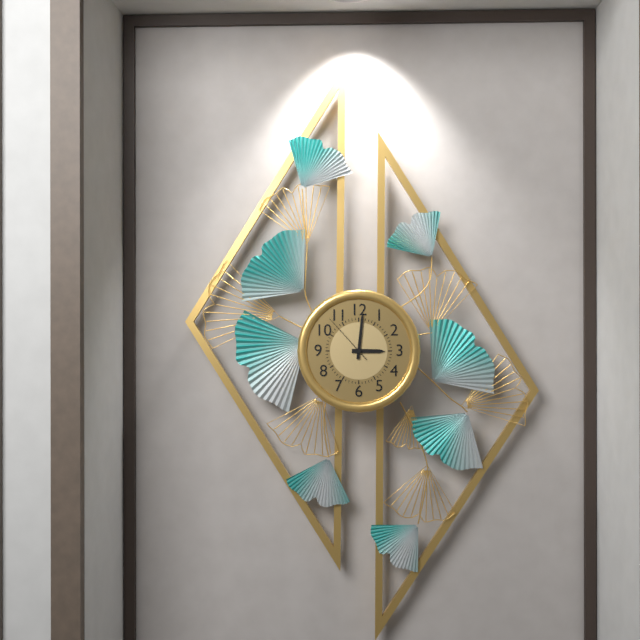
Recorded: 3 h 01 min 53 s
